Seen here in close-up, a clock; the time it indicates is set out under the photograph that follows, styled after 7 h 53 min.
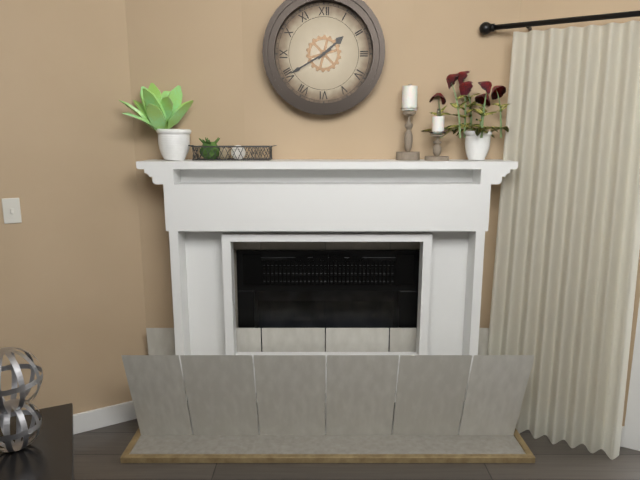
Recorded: 1 h 40 min
